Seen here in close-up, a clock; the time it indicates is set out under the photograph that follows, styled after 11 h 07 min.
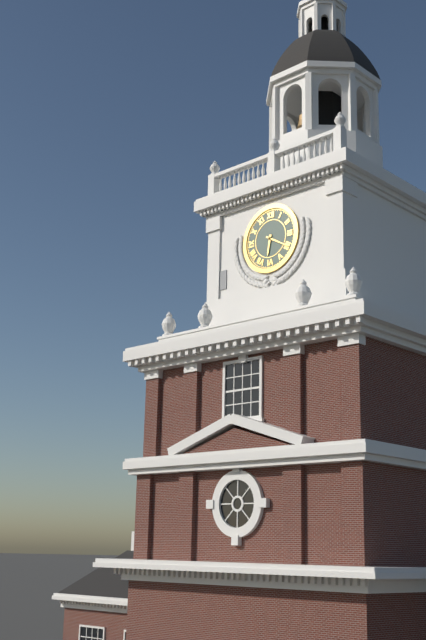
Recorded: 6 h 20 min
